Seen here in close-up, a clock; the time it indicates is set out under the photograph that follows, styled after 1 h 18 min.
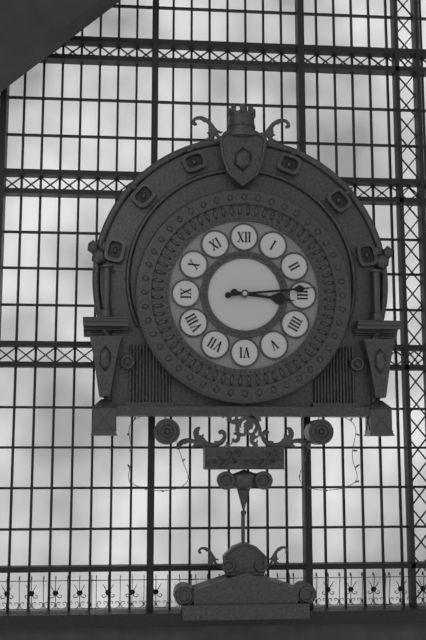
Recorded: 3 h 14 min
